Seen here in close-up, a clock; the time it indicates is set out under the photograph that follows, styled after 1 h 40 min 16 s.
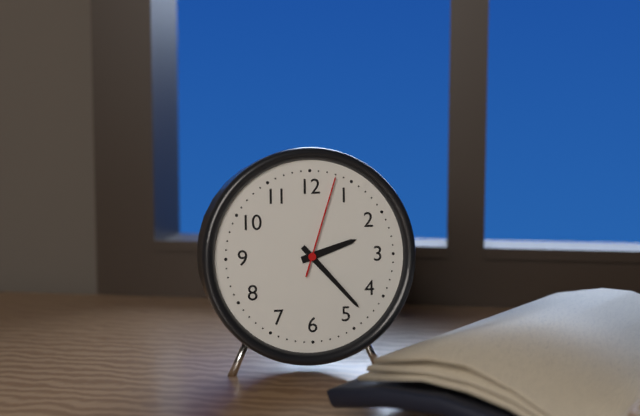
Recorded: 2 h 23 min 03 s
